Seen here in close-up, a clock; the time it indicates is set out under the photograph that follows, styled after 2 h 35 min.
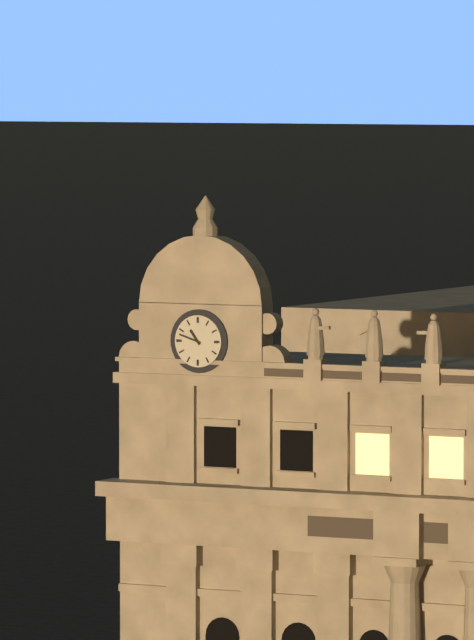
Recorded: 10 h 48 min
